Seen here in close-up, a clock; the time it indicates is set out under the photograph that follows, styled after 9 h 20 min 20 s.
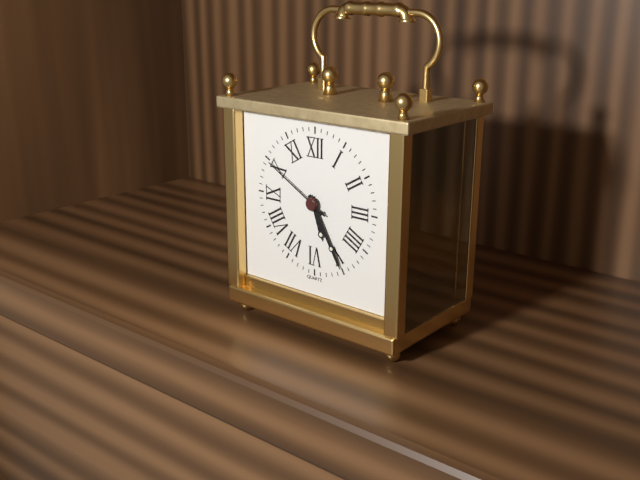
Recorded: 5 h 25 min 50 s
